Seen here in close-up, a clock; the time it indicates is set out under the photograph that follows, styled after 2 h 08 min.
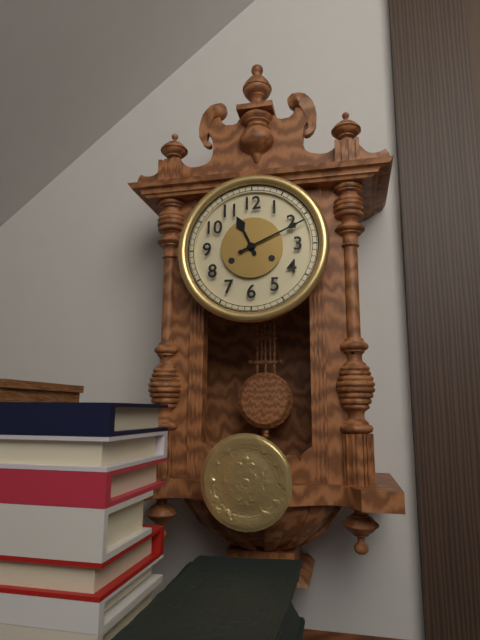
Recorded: 11 h 11 min
